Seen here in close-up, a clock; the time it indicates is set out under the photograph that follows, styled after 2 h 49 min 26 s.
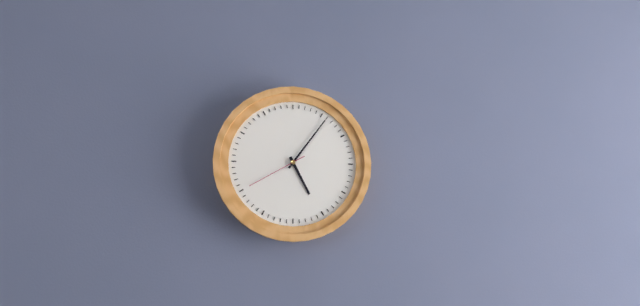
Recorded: 5 h 06 min 40 s
